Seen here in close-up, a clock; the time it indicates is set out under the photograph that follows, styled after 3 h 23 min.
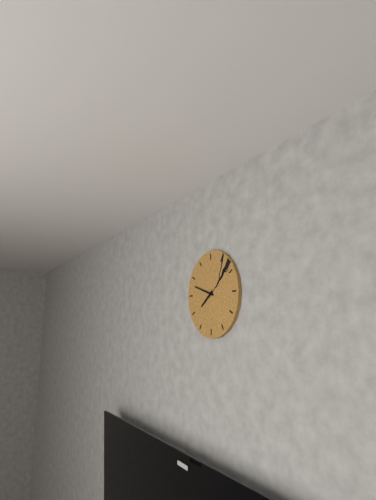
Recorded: 7 h 48 min
